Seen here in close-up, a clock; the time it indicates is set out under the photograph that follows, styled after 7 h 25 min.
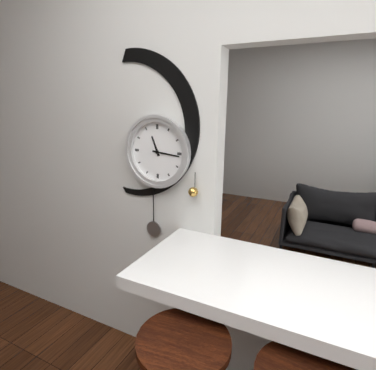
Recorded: 11 h 16 min
